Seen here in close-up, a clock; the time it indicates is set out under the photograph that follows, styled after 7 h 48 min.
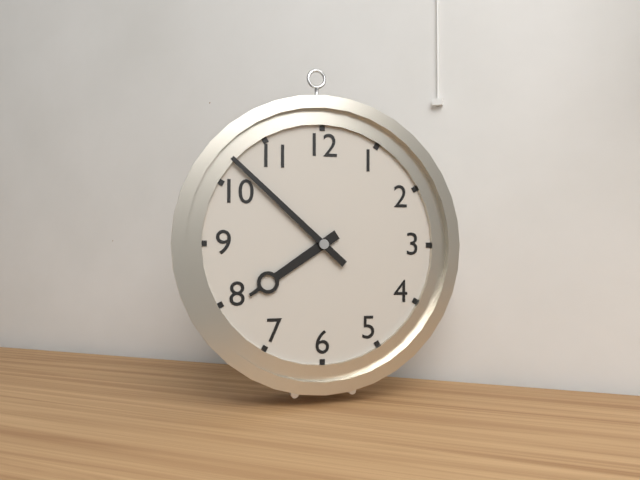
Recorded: 7 h 52 min
